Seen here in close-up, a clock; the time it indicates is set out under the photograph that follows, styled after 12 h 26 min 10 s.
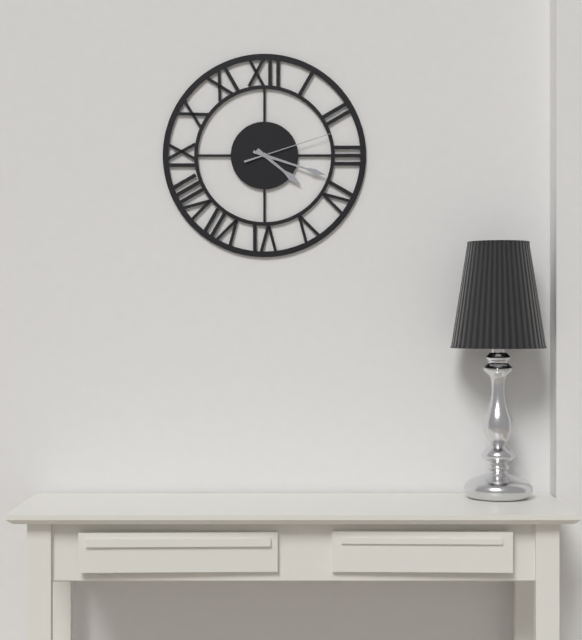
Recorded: 4 h 18 min 12 s
